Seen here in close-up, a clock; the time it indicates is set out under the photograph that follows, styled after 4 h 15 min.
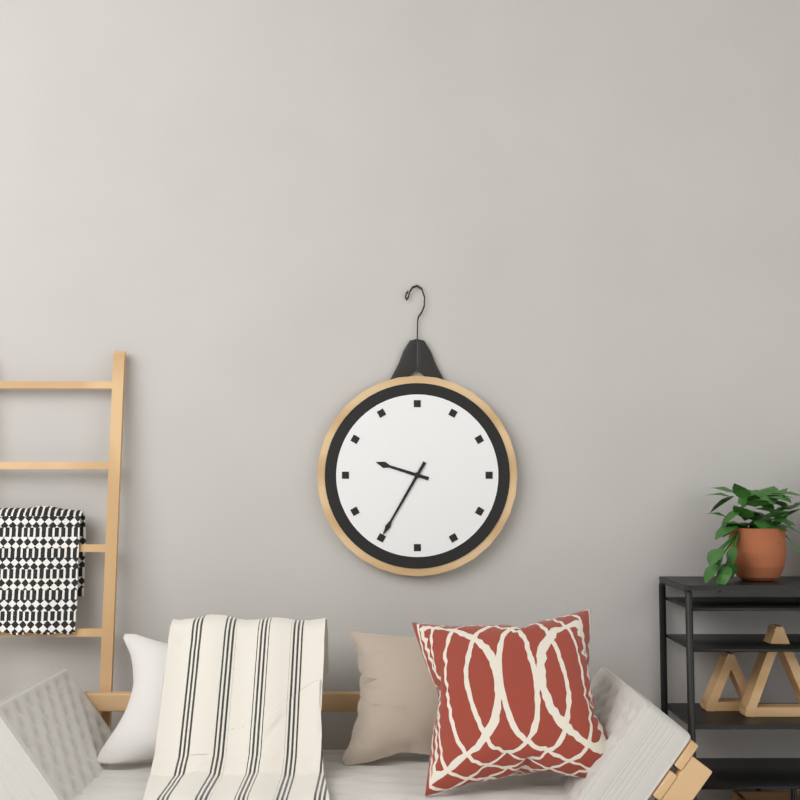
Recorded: 9 h 35 min
